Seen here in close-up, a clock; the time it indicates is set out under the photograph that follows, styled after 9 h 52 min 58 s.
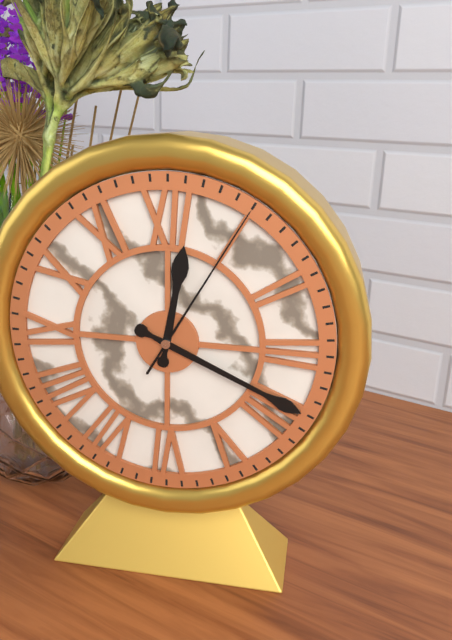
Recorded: 12 h 19 min 05 s
